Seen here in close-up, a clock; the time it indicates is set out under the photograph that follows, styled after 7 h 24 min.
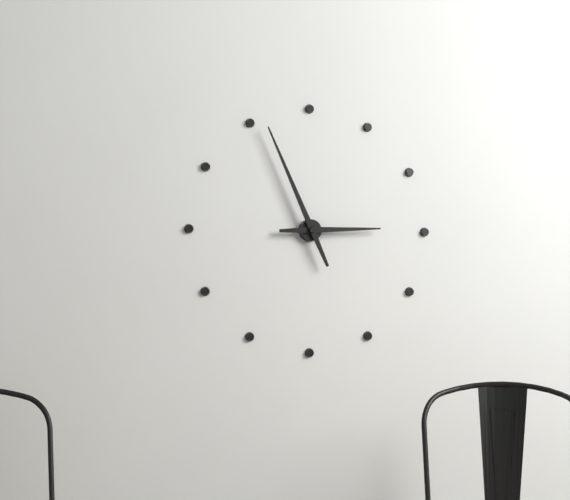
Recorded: 2 h 56 min
